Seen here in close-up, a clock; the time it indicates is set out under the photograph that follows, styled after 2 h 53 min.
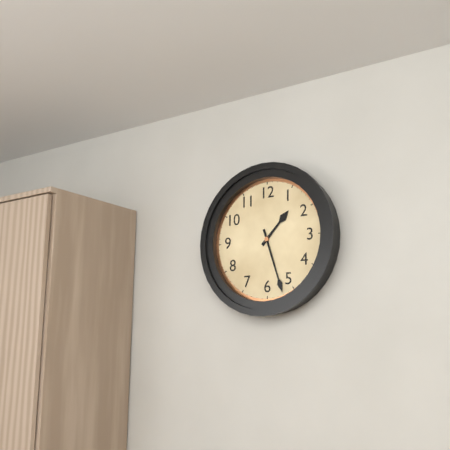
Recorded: 1 h 27 min
